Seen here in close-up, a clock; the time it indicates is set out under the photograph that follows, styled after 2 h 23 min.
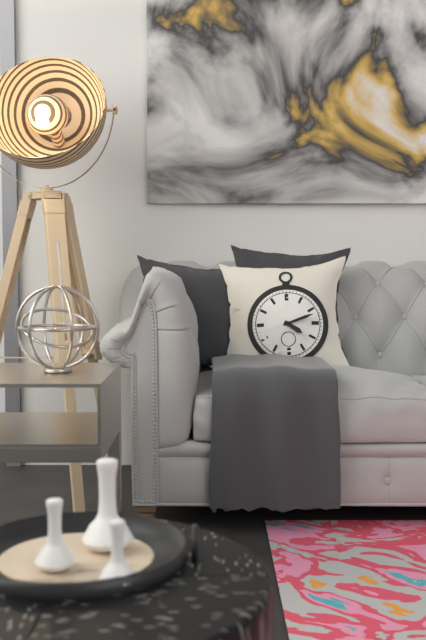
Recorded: 4 h 12 min
